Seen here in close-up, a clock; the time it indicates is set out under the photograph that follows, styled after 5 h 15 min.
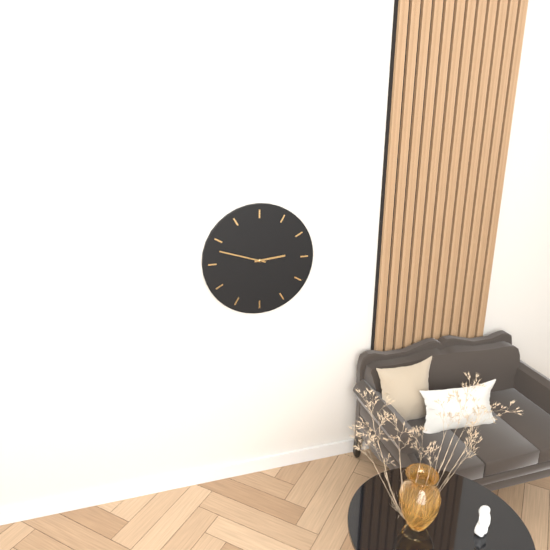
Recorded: 2 h 48 min
